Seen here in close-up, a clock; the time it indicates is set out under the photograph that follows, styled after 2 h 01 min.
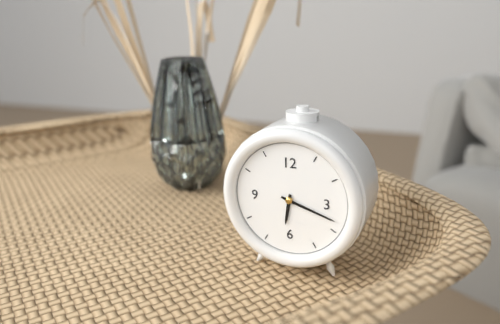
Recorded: 6 h 18 min
